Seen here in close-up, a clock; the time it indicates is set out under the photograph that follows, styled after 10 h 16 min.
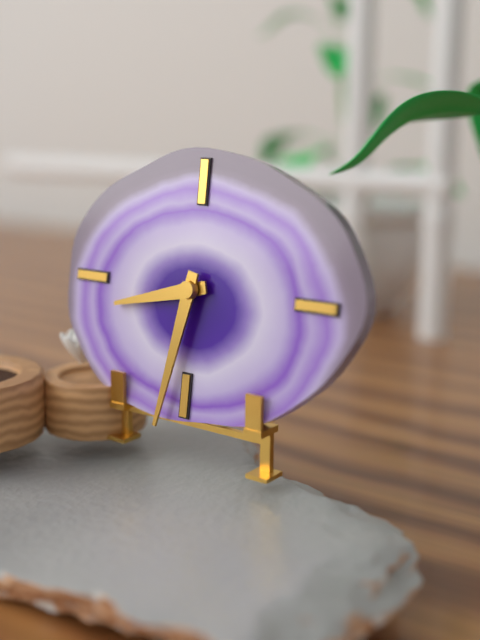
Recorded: 8 h 32 min
